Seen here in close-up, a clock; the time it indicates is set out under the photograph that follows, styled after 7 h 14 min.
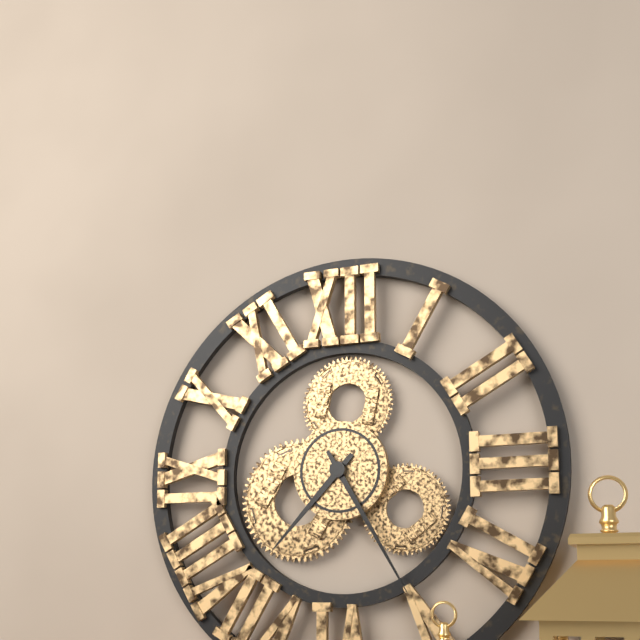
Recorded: 7 h 25 min
